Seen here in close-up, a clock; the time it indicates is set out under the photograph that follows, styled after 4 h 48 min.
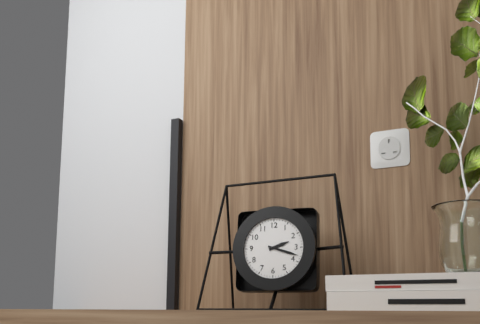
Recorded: 2 h 18 min
